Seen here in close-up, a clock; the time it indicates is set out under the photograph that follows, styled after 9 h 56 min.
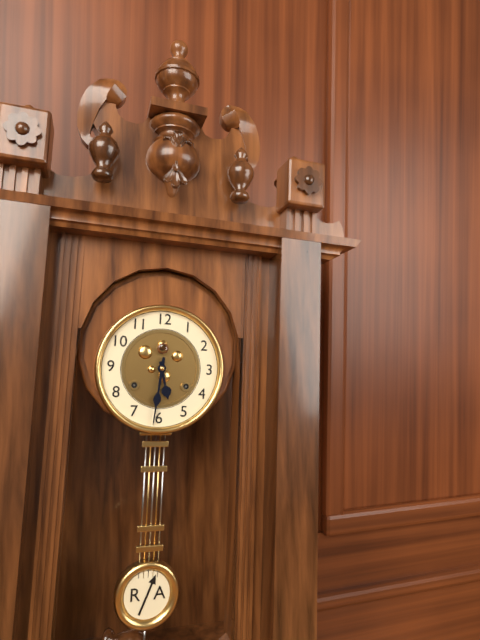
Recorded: 5 h 31 min
